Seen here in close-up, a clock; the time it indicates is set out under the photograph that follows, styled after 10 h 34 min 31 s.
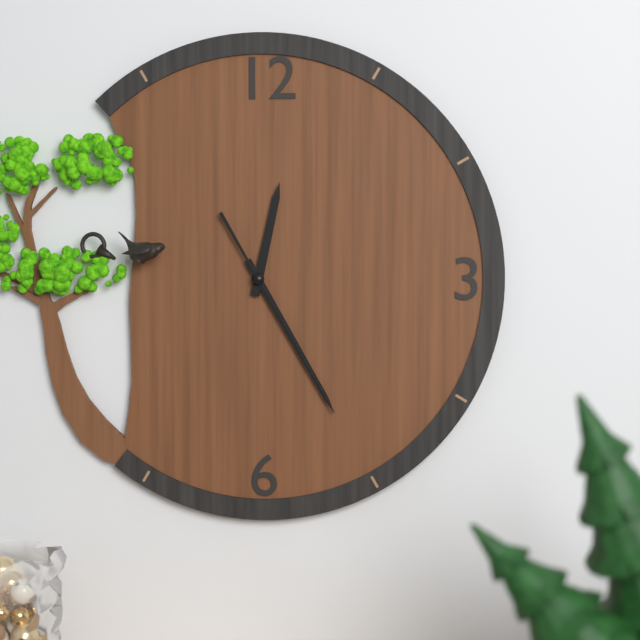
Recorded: 12 h 25 min 25 s
